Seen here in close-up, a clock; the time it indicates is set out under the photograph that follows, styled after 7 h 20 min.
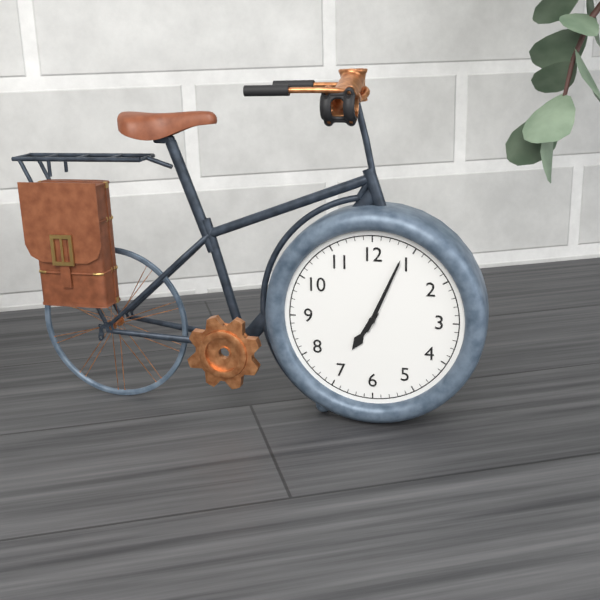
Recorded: 7 h 04 min
